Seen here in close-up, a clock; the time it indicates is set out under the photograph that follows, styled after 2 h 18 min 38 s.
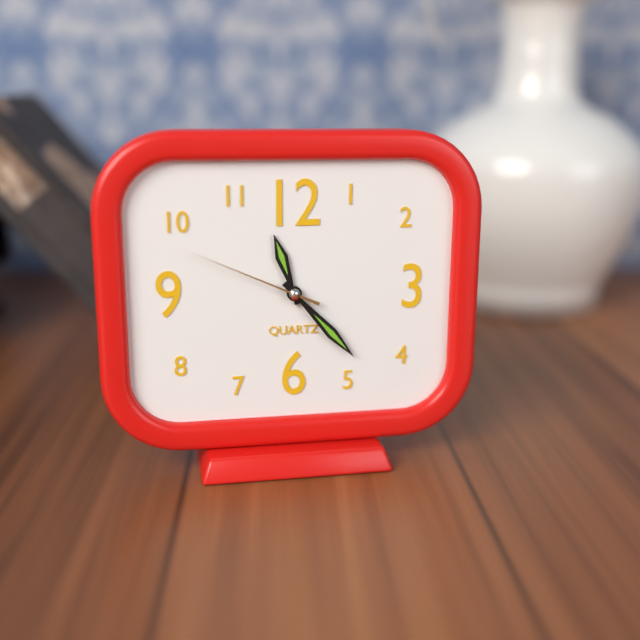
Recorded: 11 h 23 min 49 s
